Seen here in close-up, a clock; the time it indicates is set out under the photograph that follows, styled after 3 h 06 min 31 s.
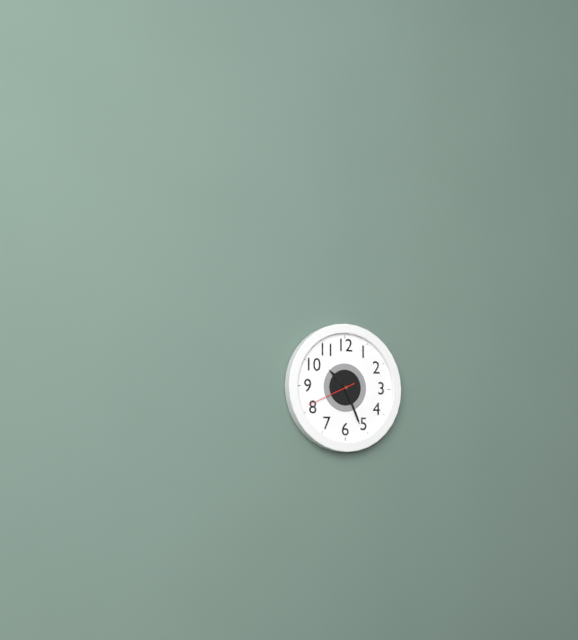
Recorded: 10 h 26 min 41 s
